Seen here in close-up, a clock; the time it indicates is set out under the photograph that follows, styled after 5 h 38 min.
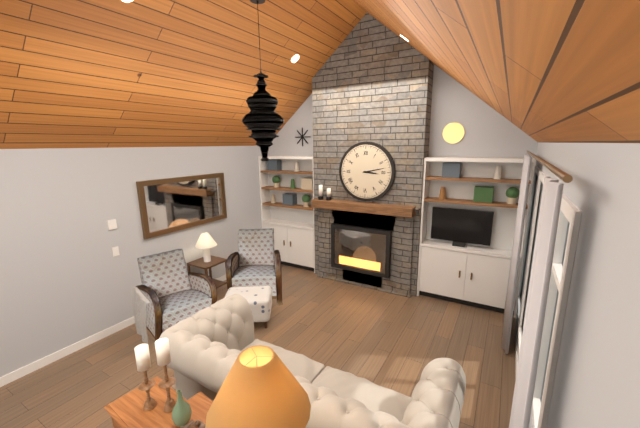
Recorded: 3 h 13 min
